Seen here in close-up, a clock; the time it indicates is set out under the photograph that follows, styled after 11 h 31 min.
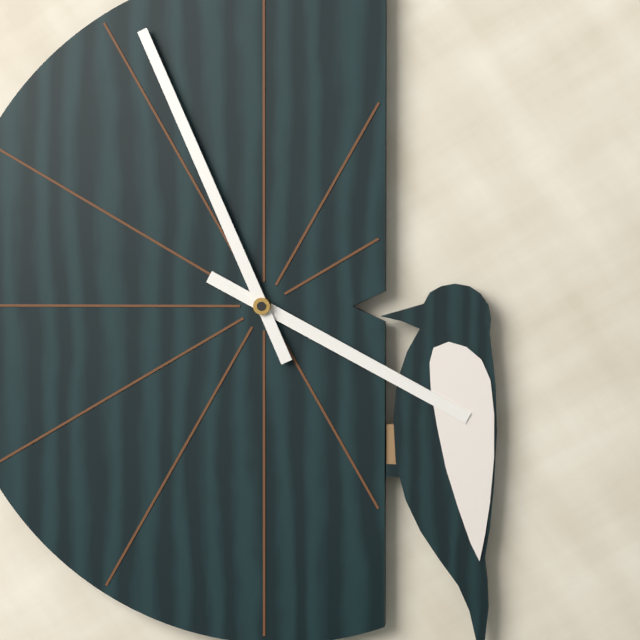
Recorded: 3 h 56 min
